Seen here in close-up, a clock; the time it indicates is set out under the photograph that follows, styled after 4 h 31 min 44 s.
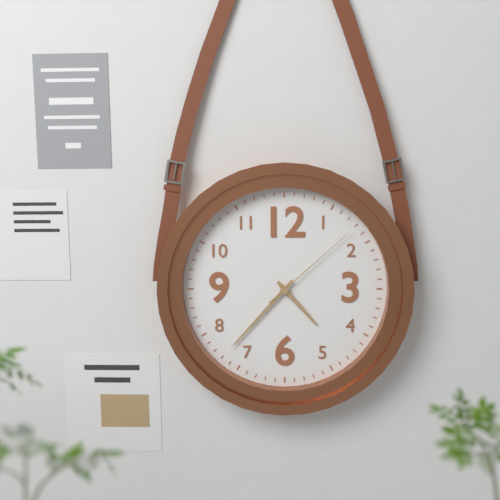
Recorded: 4 h 37 min 08 s
